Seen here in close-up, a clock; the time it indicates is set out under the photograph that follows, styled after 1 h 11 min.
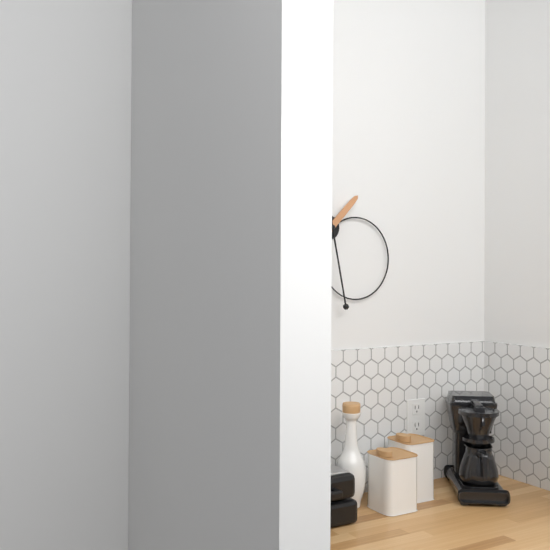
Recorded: 1 h 28 min
